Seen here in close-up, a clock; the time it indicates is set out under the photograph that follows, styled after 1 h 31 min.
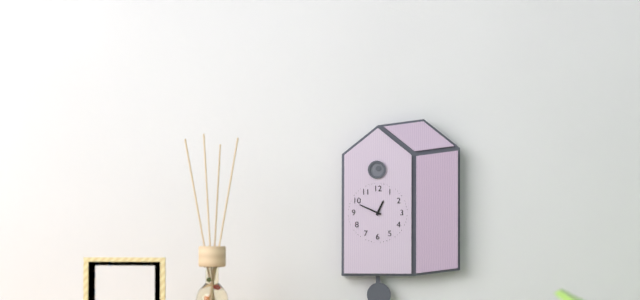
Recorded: 12 h 49 min
